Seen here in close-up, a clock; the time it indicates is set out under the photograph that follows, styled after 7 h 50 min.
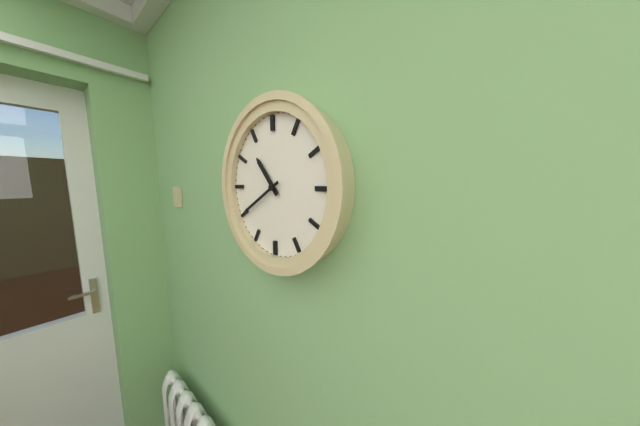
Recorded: 10 h 40 min
